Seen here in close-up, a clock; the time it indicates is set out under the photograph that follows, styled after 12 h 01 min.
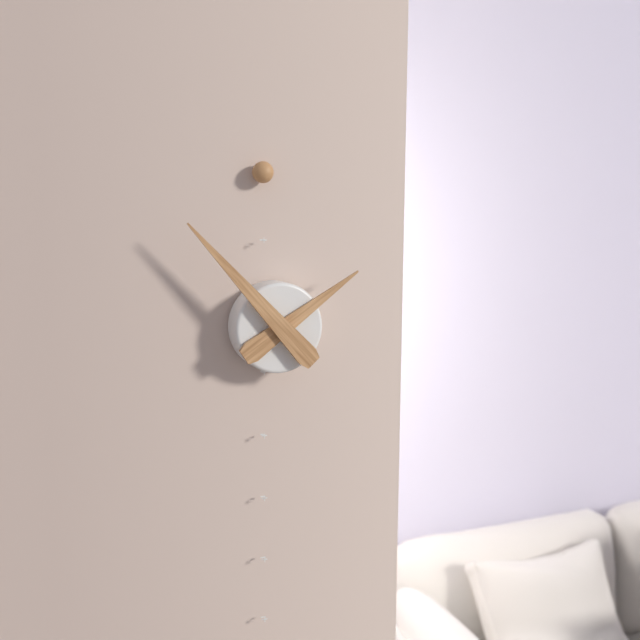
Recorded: 1 h 53 min
